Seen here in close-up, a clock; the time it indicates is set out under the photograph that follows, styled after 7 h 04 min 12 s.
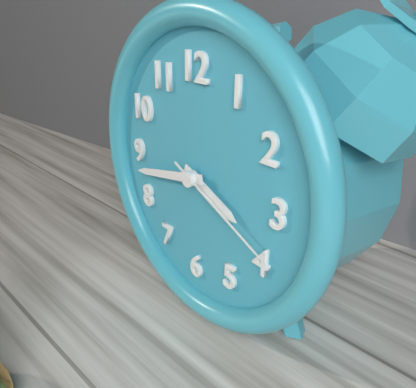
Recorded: 3 h 43 min 19 s
